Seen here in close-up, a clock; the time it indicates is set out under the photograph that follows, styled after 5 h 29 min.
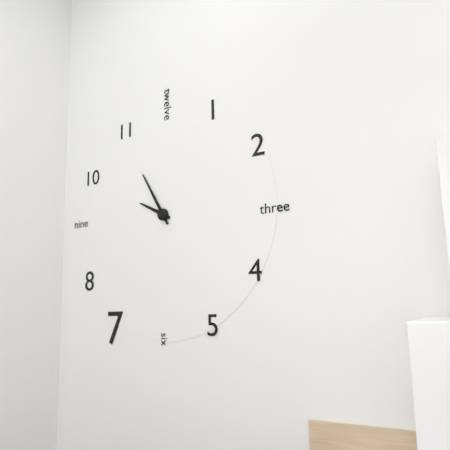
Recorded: 9 h 55 min
